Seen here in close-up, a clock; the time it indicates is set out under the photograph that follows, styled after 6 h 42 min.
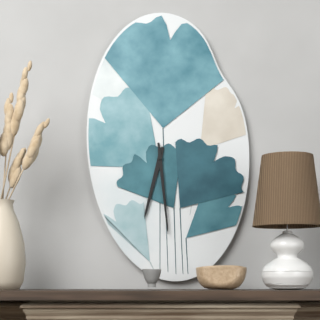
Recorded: 6 h 29 min
